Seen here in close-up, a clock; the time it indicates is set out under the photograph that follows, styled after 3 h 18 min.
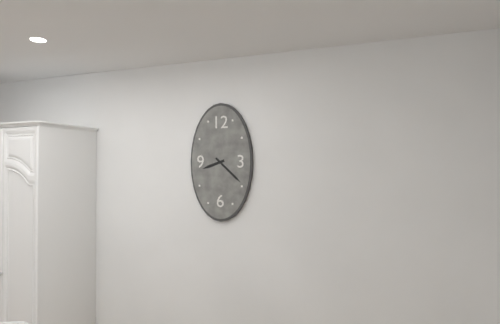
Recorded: 8 h 22 min
